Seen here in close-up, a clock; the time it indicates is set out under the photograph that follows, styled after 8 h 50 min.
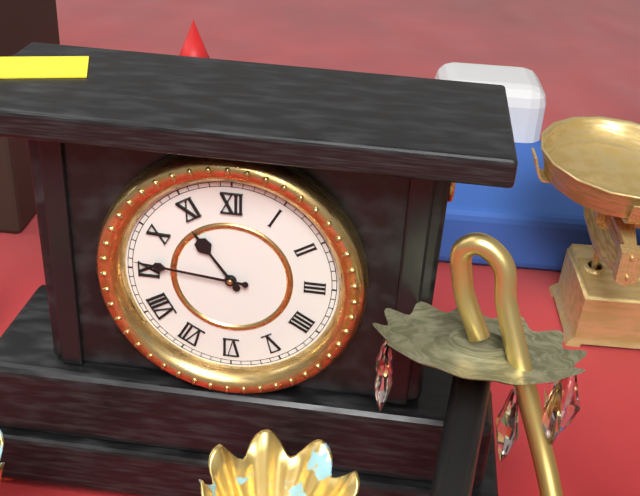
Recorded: 10 h 46 min
